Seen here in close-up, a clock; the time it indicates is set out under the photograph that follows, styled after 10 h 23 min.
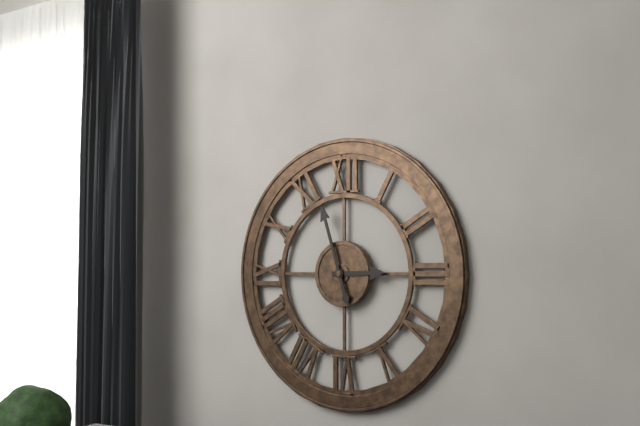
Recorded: 2 h 57 min
